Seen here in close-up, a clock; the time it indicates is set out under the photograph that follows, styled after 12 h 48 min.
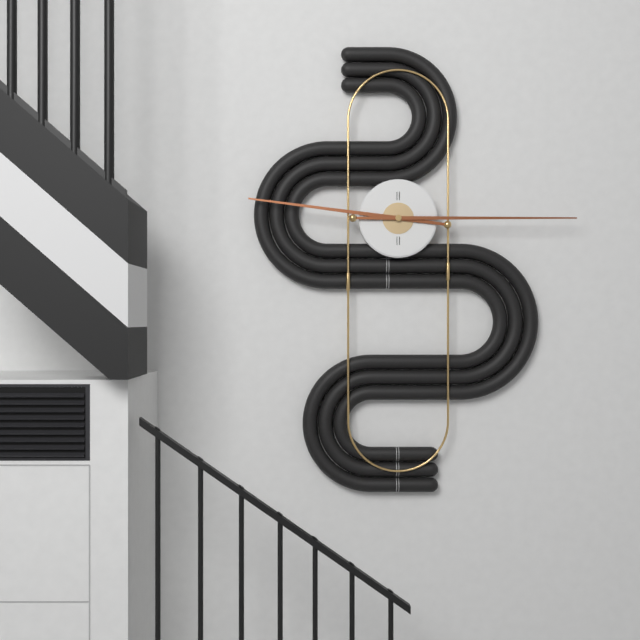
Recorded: 9 h 15 min
